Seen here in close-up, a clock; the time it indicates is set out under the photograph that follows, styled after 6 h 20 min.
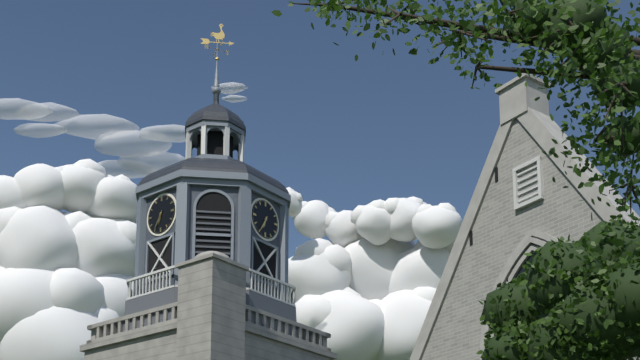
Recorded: 6 h 35 min
